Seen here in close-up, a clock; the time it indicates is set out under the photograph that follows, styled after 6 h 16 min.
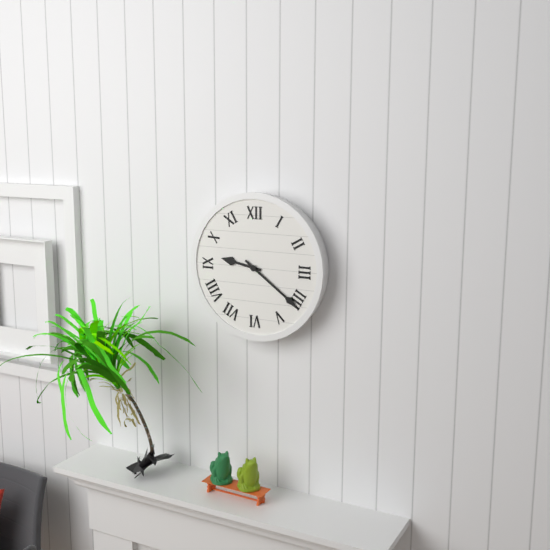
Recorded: 9 h 21 min
